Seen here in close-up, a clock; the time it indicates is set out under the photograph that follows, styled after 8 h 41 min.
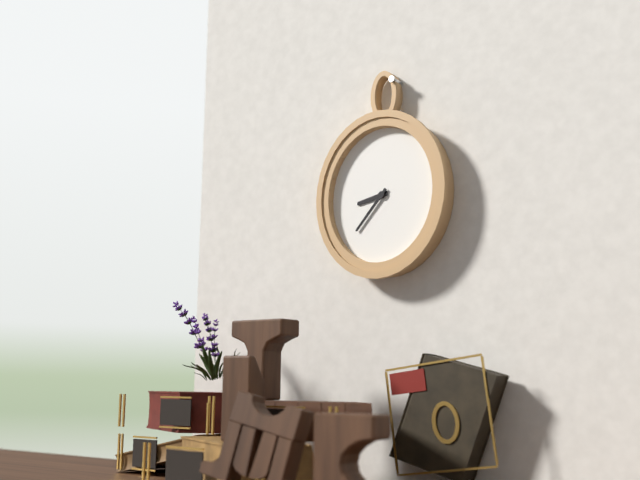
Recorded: 8 h 37 min
